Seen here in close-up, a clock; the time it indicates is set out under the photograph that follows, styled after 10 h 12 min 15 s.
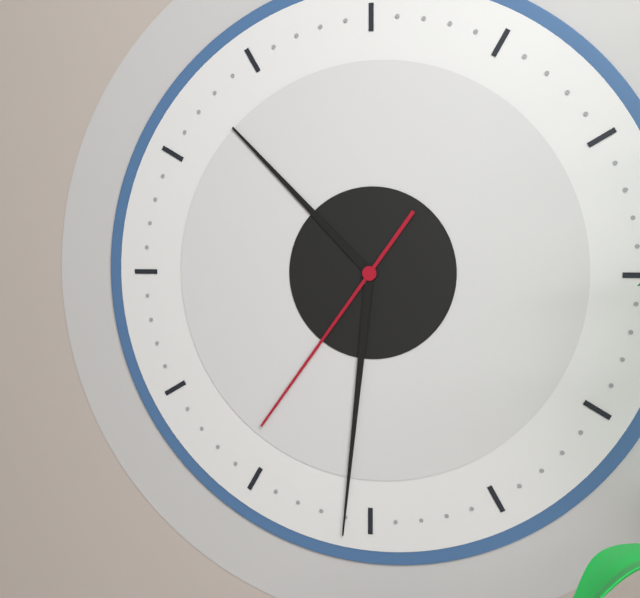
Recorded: 10 h 31 min 36 s
